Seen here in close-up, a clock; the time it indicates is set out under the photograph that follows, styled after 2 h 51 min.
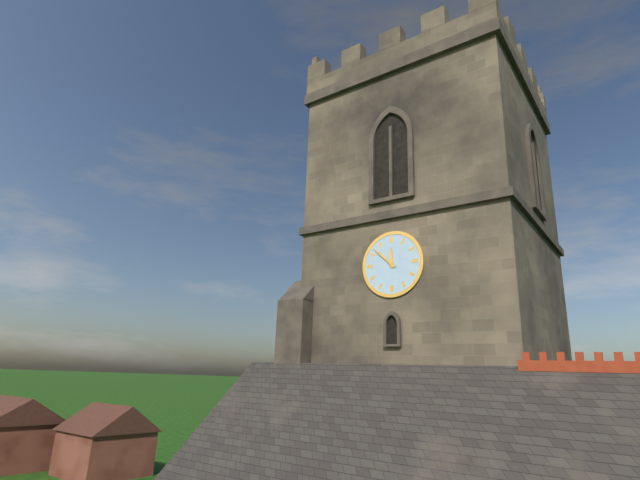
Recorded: 11 h 52 min
